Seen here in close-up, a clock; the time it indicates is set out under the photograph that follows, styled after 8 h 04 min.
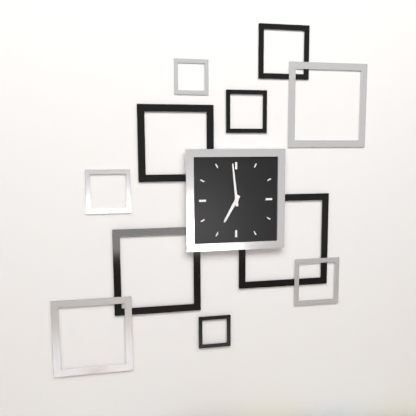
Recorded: 6 h 59 min
